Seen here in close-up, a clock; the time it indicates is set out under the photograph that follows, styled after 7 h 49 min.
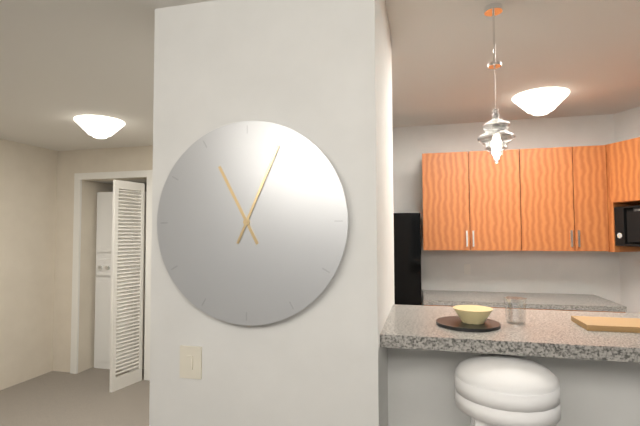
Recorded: 11 h 04 min
